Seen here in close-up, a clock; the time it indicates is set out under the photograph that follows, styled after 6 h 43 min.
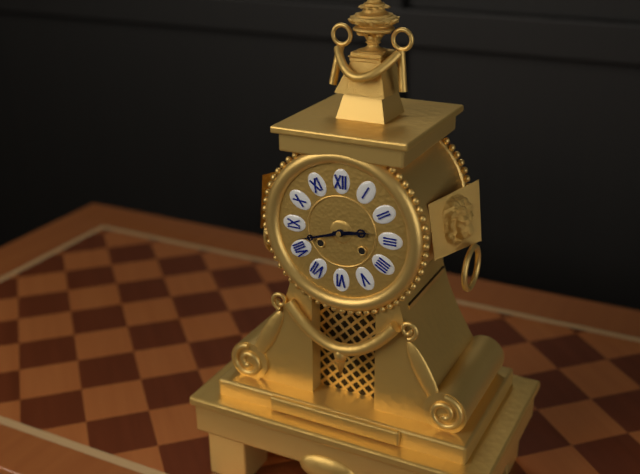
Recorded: 2 h 42 min
